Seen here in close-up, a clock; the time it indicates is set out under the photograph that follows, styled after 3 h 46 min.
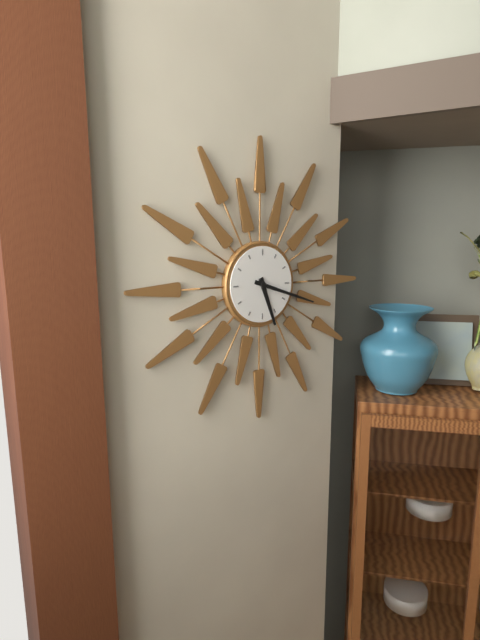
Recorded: 5 h 18 min
